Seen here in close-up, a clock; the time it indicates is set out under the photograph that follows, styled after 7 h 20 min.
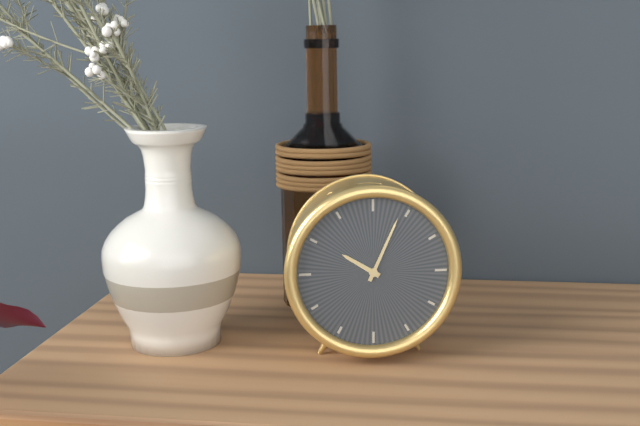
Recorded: 10 h 04 min
